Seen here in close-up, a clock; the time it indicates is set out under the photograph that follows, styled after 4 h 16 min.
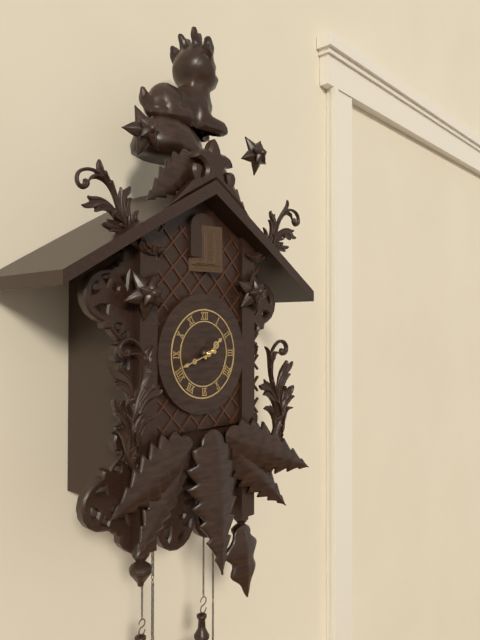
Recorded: 1 h 42 min
